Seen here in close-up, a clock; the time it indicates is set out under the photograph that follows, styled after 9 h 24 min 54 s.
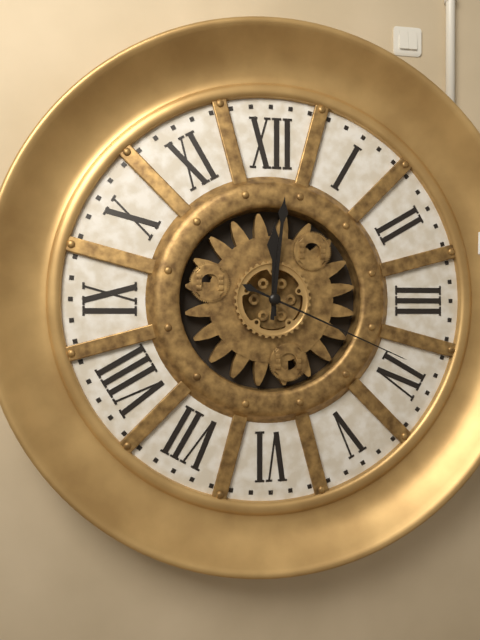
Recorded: 12 h 01 min 19 s
